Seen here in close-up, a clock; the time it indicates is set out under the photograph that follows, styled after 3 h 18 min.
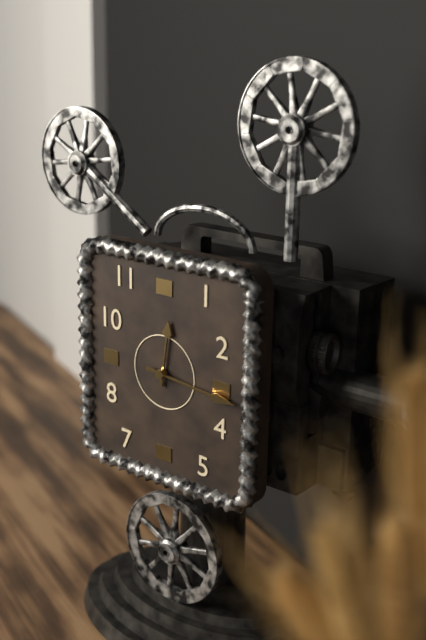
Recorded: 12 h 16 min
